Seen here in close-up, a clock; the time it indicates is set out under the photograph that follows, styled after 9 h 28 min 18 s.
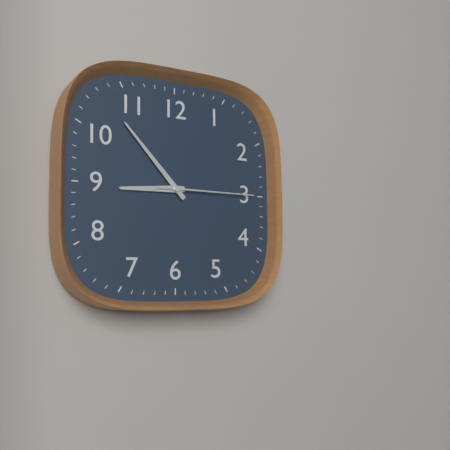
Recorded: 8 h 53 min 15 s
